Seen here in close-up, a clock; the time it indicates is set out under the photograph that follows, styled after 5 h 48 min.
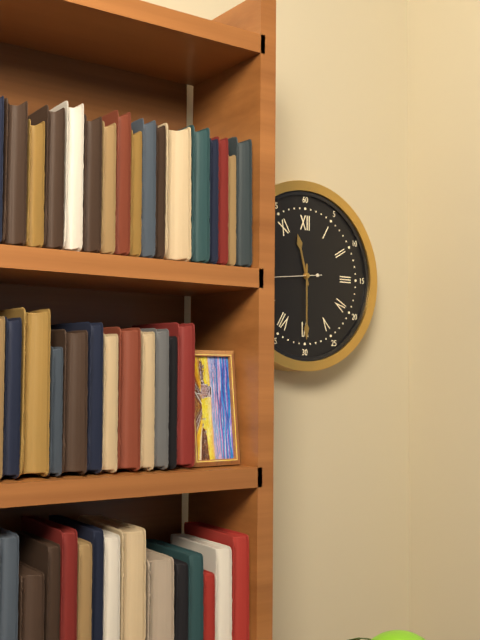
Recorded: 11 h 30 min
